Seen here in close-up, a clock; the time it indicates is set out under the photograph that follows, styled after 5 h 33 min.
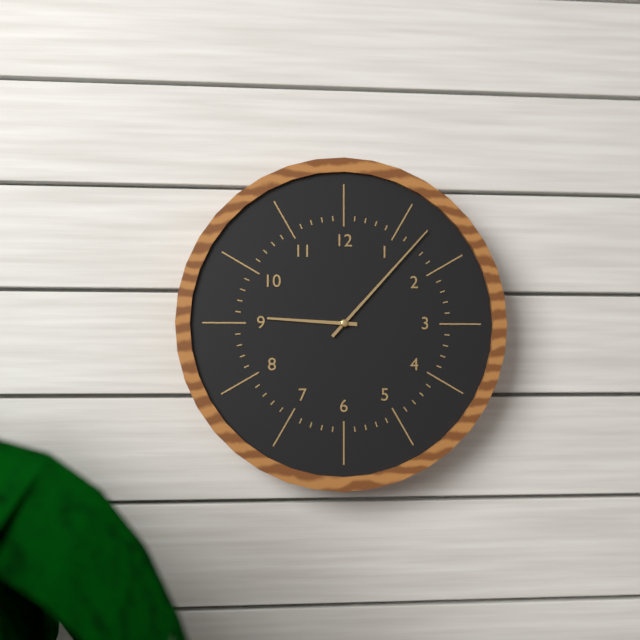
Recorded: 9 h 07 min
